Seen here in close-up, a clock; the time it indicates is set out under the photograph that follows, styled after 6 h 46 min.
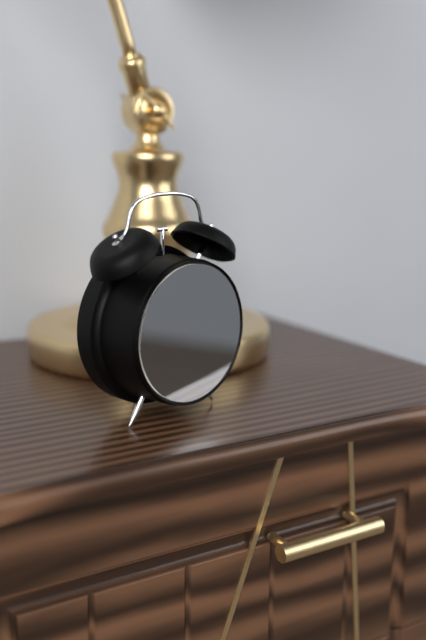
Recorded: 8 h 51 min
